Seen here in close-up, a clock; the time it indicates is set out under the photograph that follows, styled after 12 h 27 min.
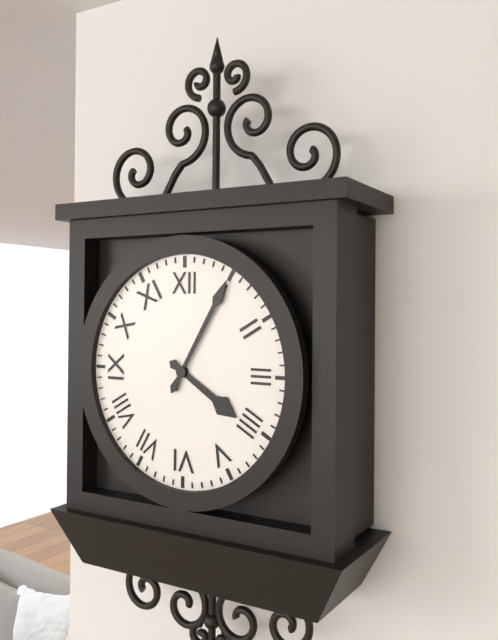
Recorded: 4 h 05 min
